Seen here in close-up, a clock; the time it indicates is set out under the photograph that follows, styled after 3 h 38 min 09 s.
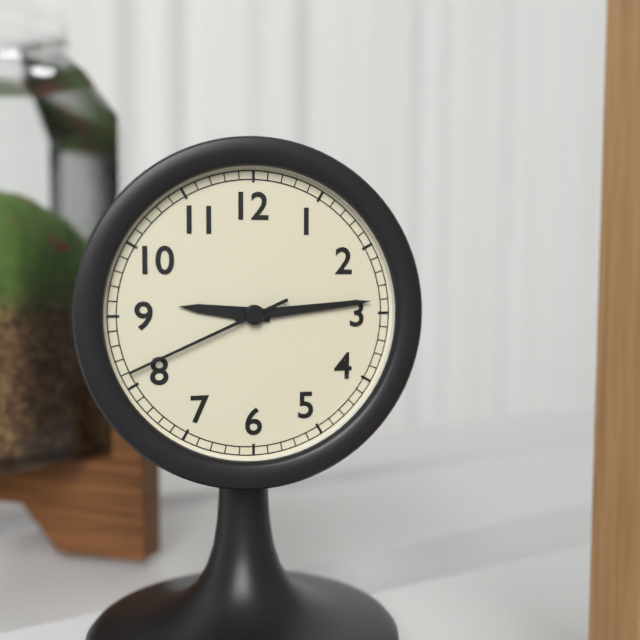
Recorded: 9 h 14 min 41 s
